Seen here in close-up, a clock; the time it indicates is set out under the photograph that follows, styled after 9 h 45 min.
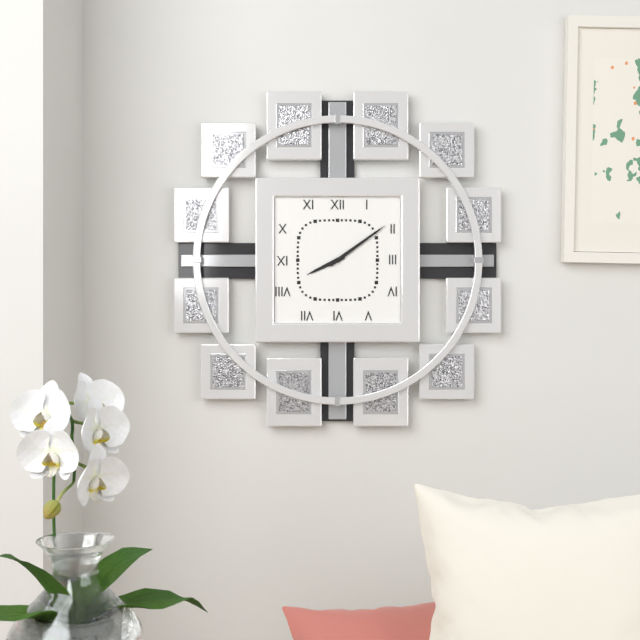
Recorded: 8 h 09 min
